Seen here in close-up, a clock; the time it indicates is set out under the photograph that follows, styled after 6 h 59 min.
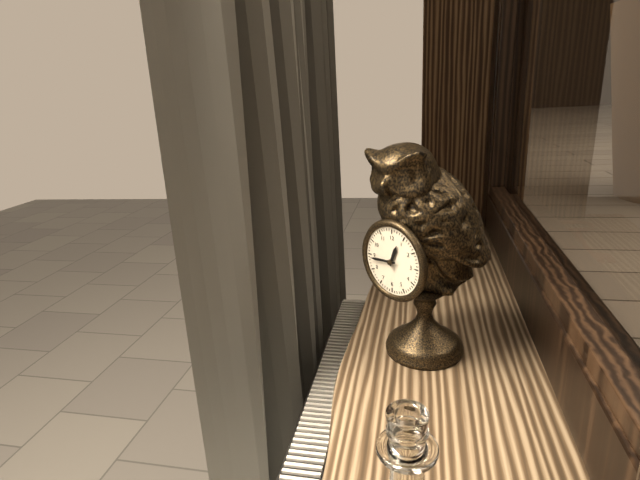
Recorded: 12 h 44 min
